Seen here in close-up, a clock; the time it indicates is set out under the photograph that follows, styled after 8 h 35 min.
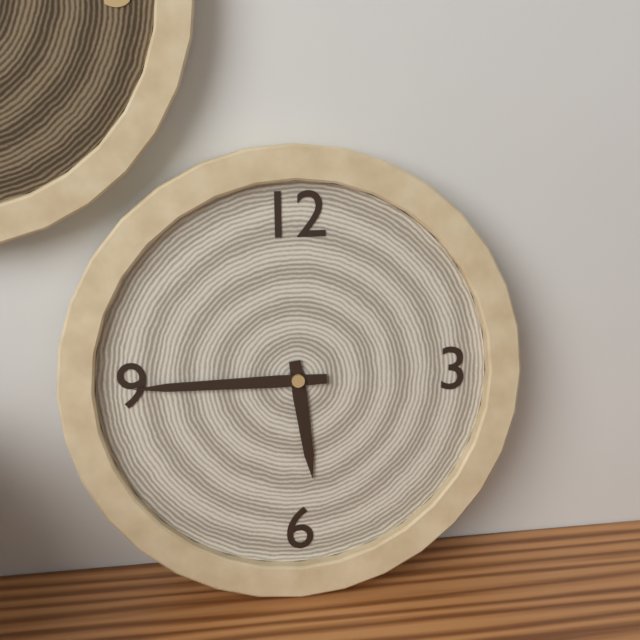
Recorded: 5 h 45 min
